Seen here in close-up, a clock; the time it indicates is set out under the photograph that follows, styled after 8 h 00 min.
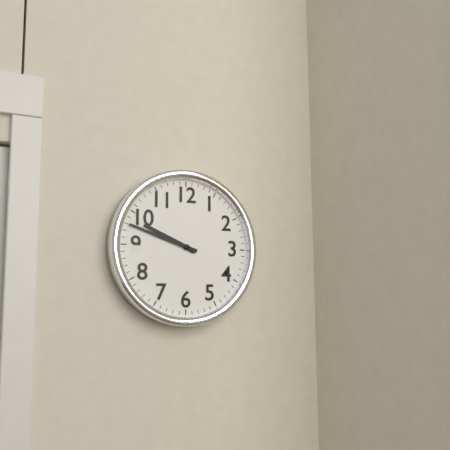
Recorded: 9 h 48 min
